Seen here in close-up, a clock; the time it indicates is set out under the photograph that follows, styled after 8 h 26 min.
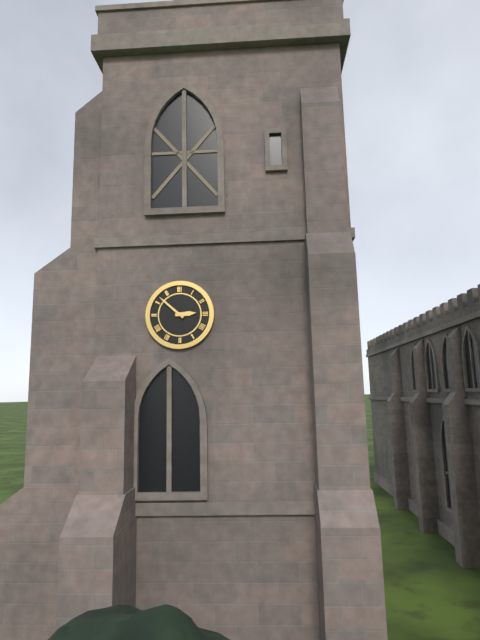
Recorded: 2 h 52 min
